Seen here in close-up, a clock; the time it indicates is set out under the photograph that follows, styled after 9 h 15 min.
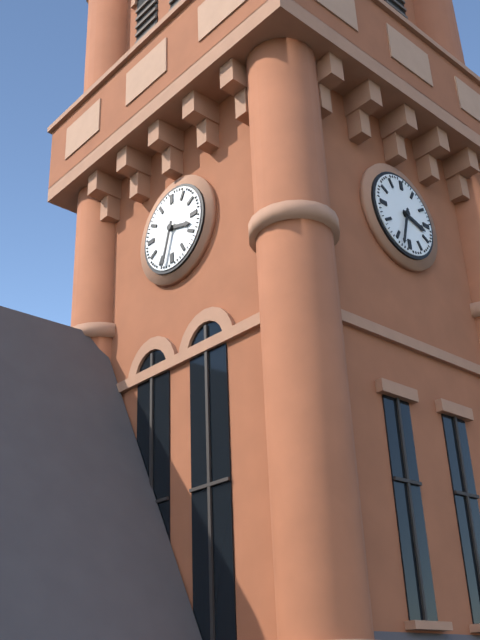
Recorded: 3 h 33 min
